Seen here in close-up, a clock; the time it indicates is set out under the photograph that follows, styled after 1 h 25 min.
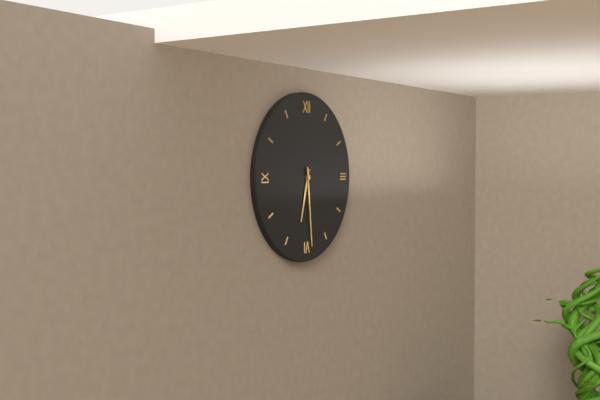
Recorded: 6 h 29 min
